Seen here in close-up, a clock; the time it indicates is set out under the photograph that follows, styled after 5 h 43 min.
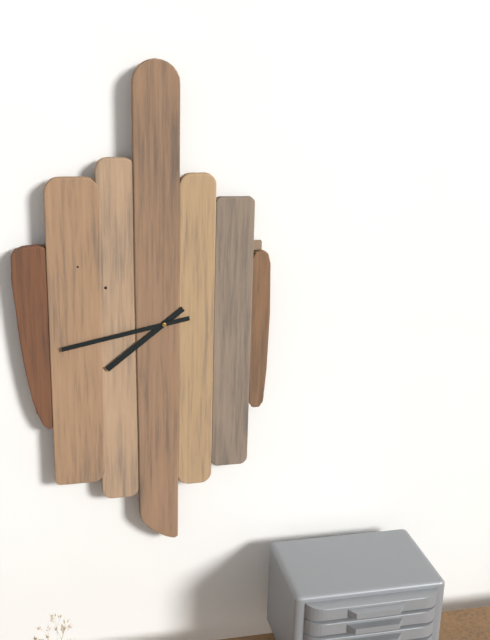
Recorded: 7 h 43 min
